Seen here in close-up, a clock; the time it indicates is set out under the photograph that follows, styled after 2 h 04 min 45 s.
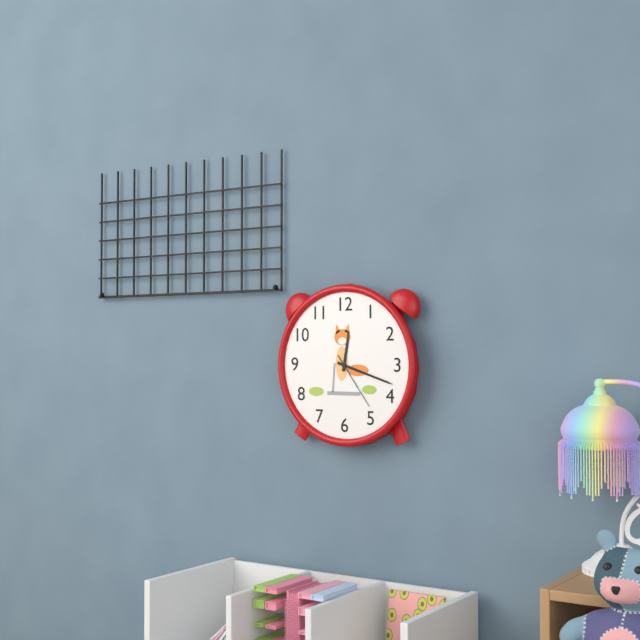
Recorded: 12 h 18 min 24 s
